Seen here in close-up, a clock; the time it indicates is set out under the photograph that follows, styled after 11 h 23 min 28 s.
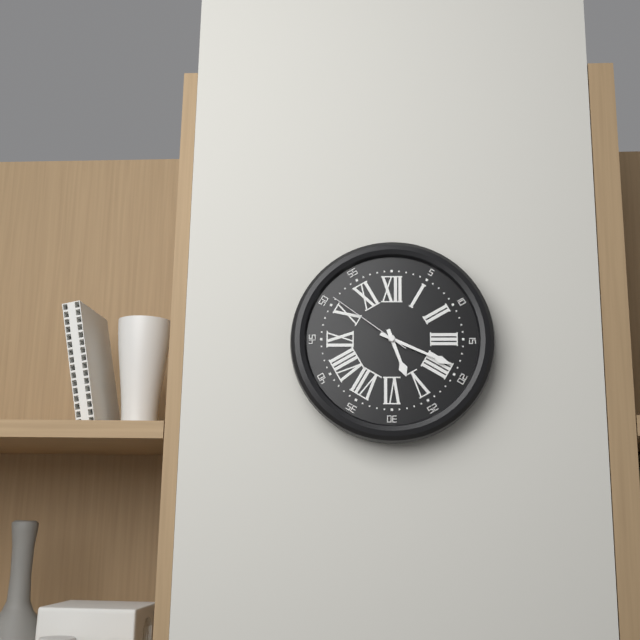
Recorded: 5 h 19 min 51 s
